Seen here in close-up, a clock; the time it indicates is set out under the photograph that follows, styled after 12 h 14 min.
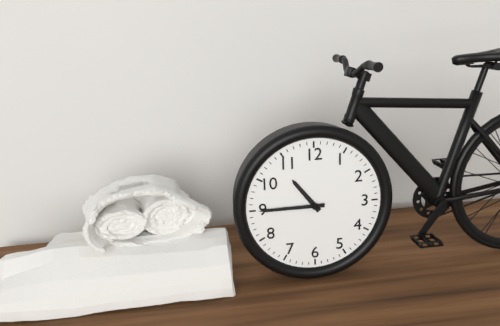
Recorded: 10 h 45 min
